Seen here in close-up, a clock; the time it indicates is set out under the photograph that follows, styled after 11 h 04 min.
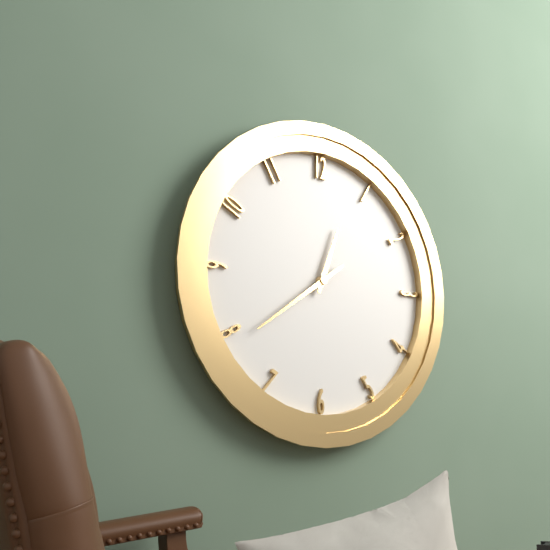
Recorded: 12 h 39 min
